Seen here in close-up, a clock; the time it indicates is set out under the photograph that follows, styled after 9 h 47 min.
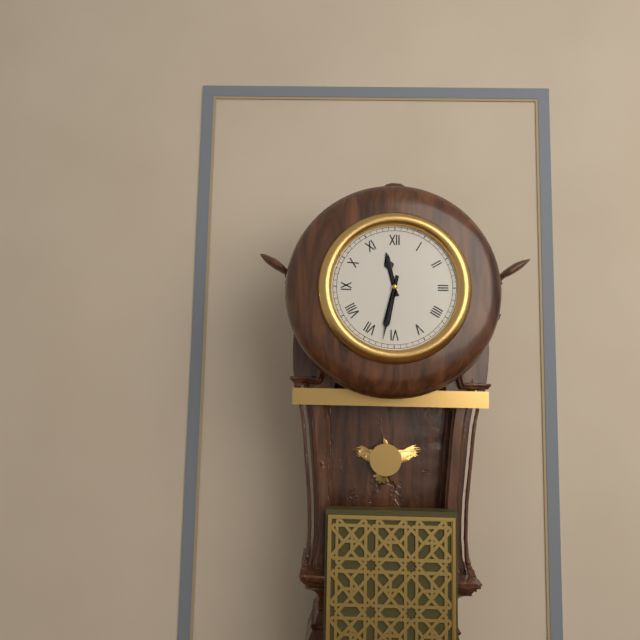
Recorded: 11 h 32 min
